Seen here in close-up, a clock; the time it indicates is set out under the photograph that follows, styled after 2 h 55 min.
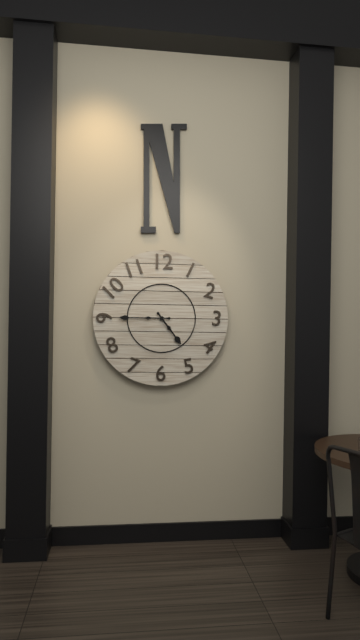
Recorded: 4 h 45 min
